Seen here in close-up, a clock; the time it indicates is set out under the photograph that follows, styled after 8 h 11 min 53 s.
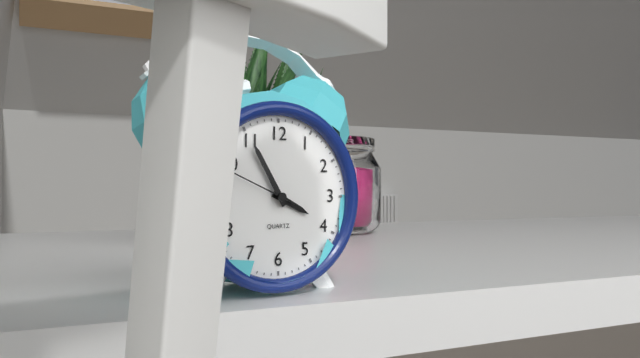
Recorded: 3 h 55 min 49 s
